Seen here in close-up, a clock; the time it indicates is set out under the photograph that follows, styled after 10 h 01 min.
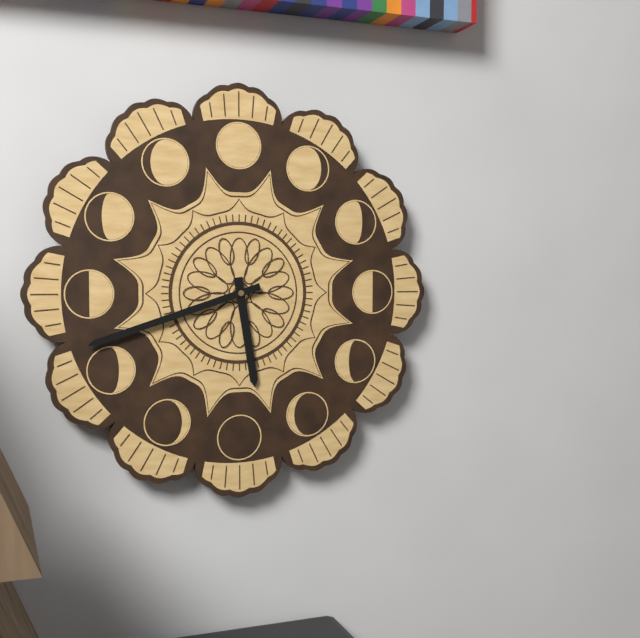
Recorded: 5 h 42 min
